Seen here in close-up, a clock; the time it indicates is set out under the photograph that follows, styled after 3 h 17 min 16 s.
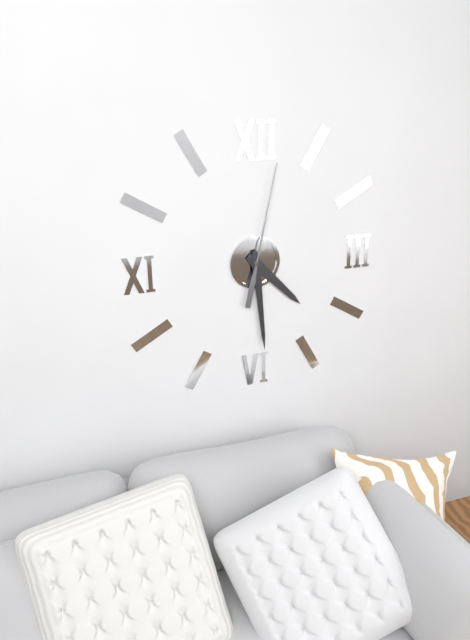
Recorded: 4 h 29 min 02 s
